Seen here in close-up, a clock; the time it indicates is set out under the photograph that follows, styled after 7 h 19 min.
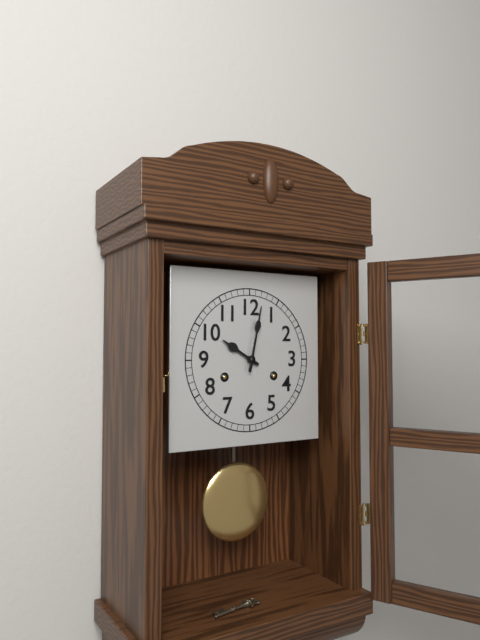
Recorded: 10 h 02 min
